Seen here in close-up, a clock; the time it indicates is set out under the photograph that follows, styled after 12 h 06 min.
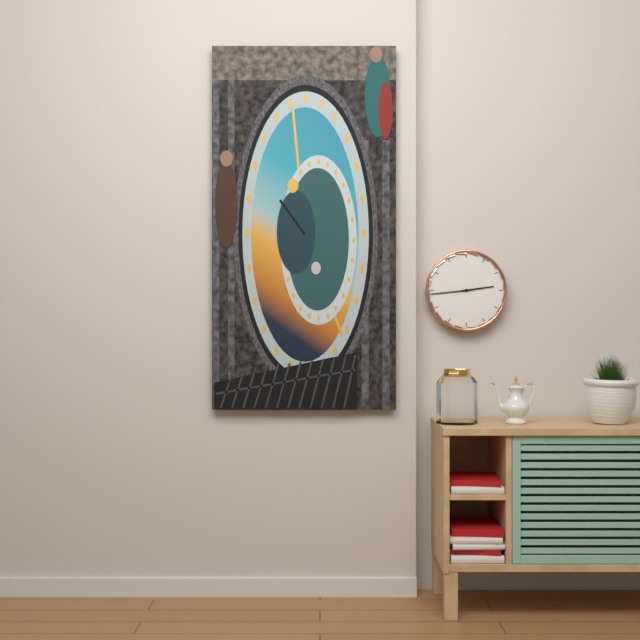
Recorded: 2 h 44 min
